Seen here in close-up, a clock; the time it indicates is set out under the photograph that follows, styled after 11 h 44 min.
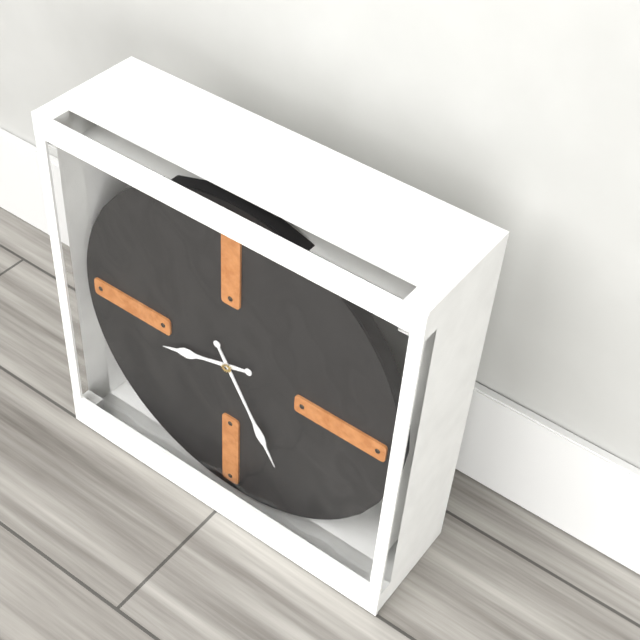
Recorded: 8 h 25 min
